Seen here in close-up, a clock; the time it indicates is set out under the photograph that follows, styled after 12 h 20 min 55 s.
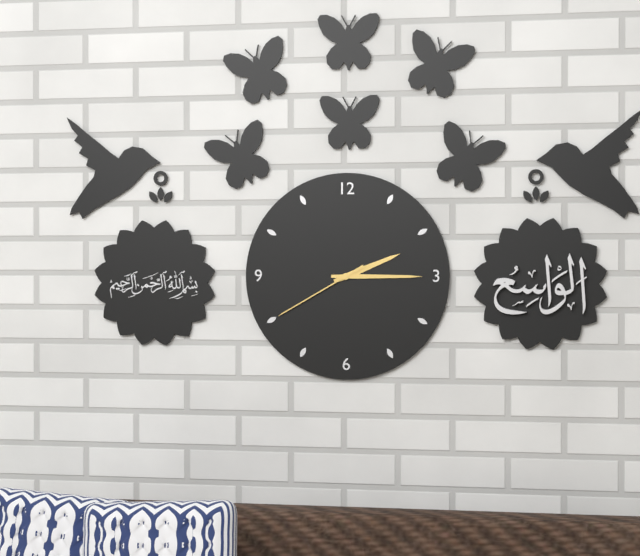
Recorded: 2 h 15 min 40 s
